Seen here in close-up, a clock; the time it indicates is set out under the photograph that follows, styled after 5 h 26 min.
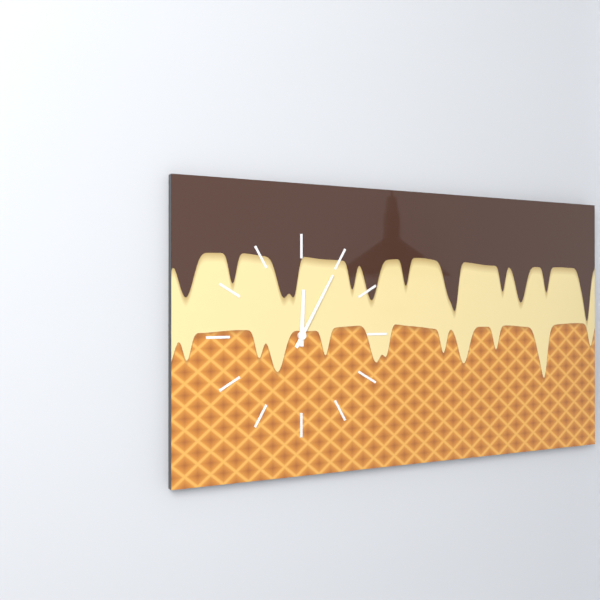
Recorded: 12 h 05 min
